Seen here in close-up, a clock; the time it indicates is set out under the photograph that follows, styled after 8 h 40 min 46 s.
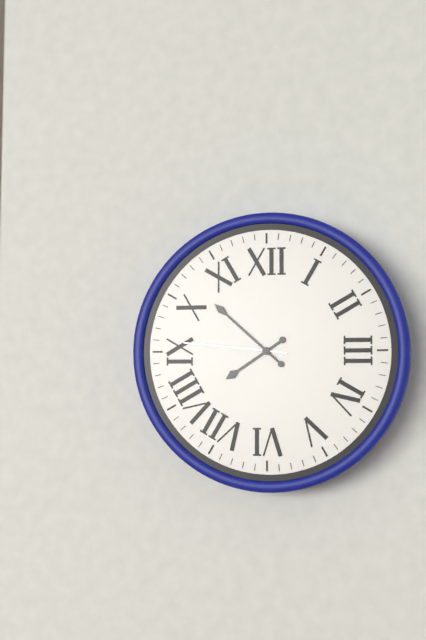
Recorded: 7 h 52 min 46 s
